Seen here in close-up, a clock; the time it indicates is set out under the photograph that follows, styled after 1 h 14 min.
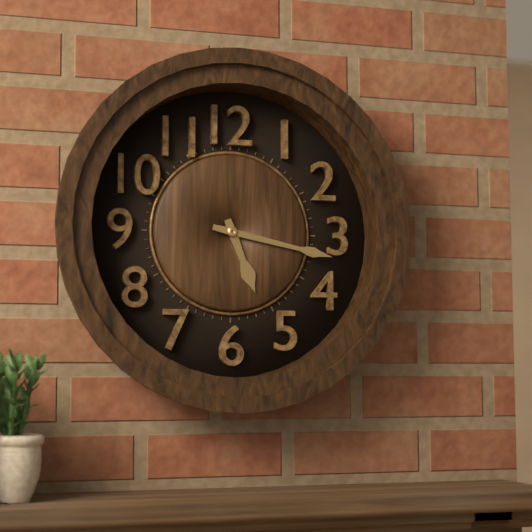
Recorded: 5 h 17 min
